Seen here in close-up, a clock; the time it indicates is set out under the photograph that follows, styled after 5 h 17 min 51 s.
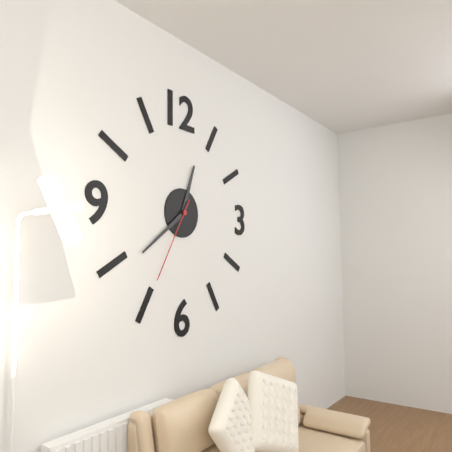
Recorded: 12 h 39 min 35 s
